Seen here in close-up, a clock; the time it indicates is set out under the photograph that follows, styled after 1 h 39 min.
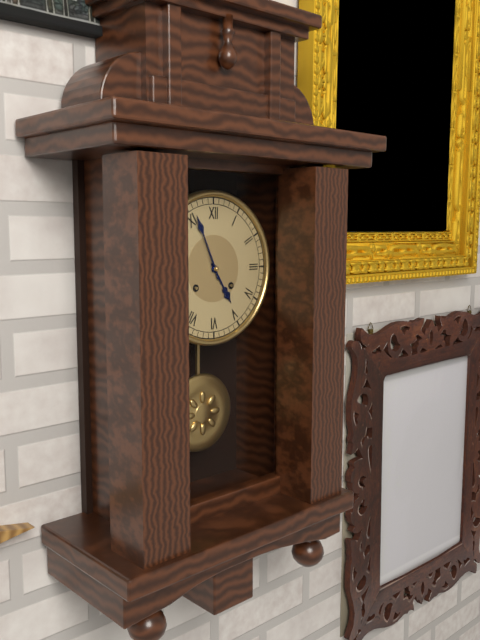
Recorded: 4 h 56 min
